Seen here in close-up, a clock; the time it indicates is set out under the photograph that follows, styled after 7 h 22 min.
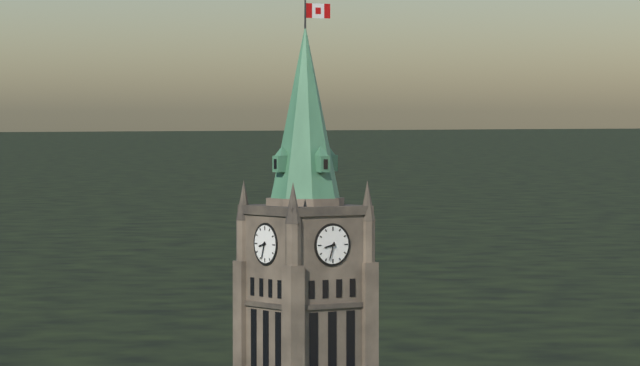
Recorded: 8 h 33 min
